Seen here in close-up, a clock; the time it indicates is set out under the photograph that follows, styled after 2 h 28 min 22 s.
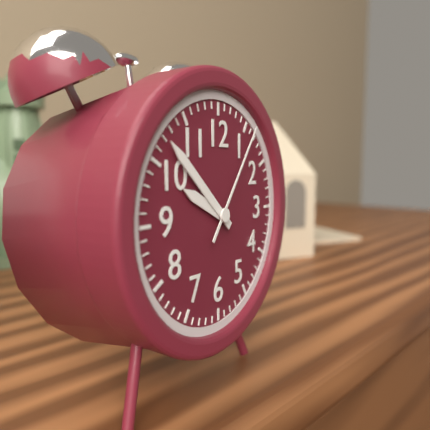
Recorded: 9 h 52 min 06 s
